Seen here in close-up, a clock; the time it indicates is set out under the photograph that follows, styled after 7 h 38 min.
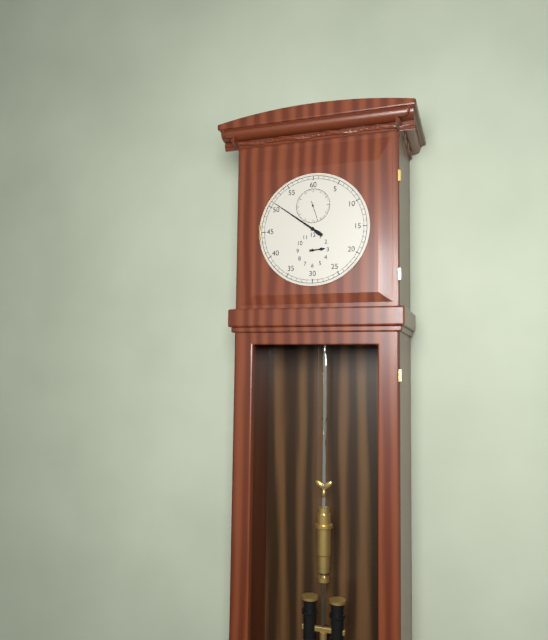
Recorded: 2 h 51 min
